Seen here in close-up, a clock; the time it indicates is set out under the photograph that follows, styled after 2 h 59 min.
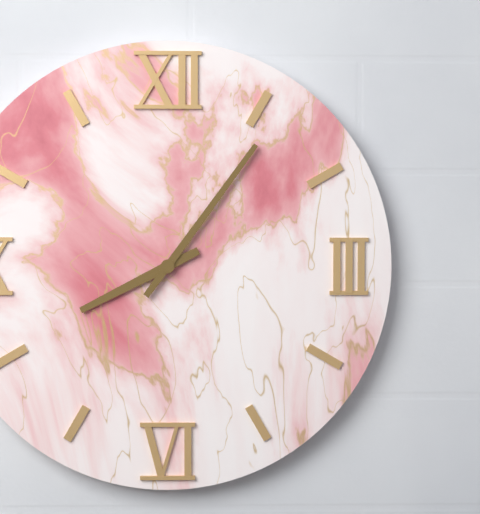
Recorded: 8 h 06 min
